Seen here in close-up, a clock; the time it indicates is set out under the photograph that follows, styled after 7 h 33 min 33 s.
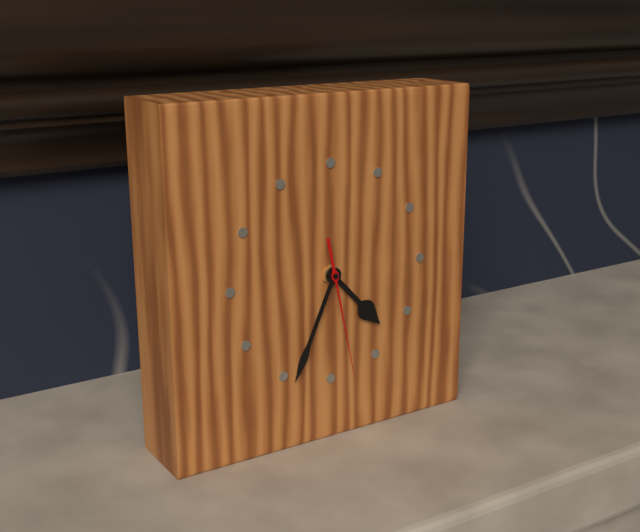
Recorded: 4 h 34 min 28 s
